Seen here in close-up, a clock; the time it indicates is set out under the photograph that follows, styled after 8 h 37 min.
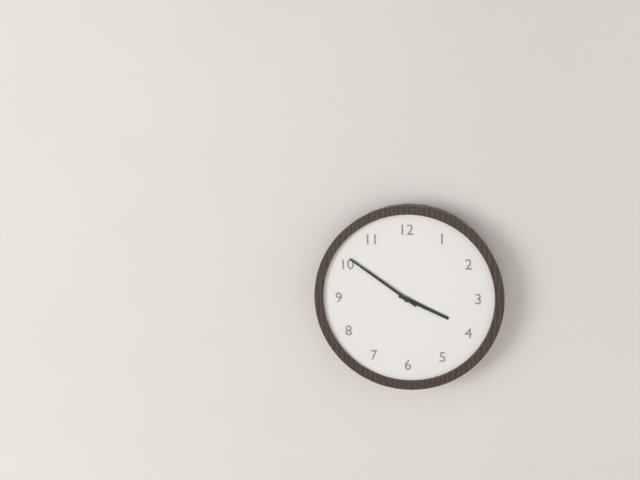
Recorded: 3 h 51 min
